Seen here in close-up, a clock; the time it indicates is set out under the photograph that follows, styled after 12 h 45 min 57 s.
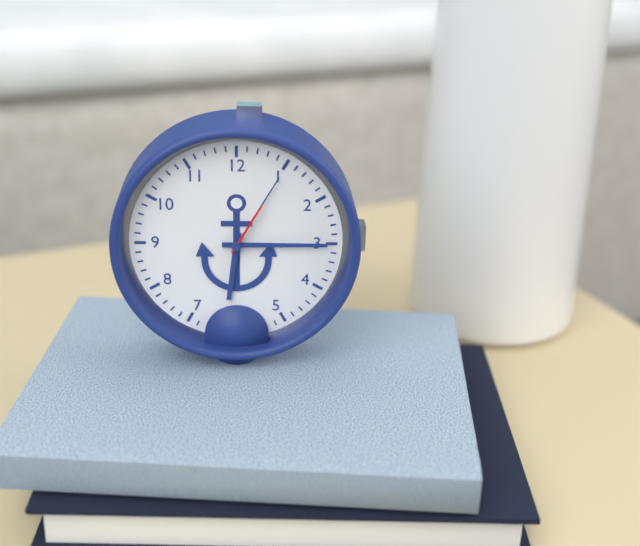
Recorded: 6 h 15 min 05 s
